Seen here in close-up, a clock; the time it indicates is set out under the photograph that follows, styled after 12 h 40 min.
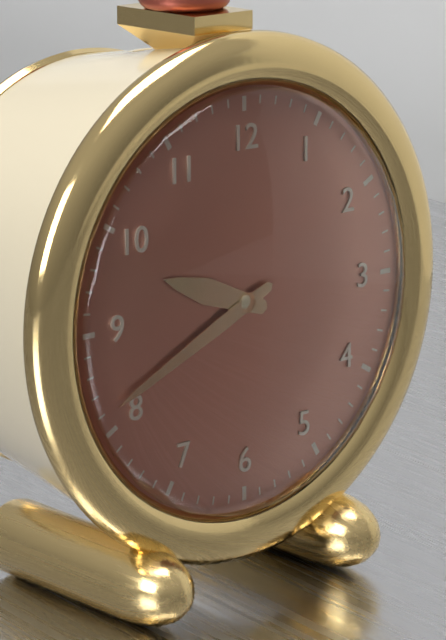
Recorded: 9 h 41 min
